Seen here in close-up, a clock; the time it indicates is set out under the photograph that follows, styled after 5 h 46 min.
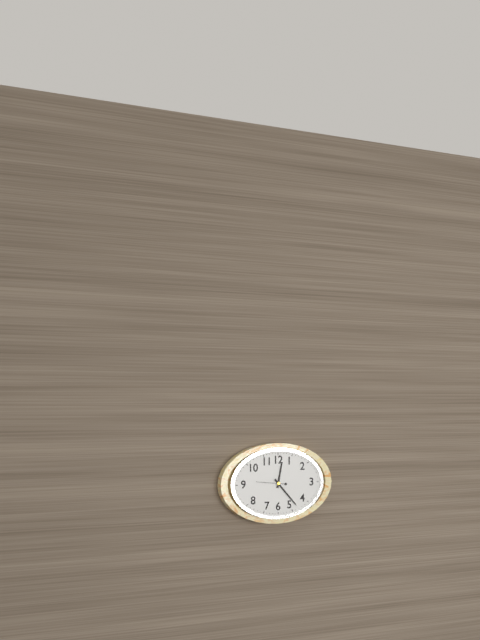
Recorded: 12 h 23 min
